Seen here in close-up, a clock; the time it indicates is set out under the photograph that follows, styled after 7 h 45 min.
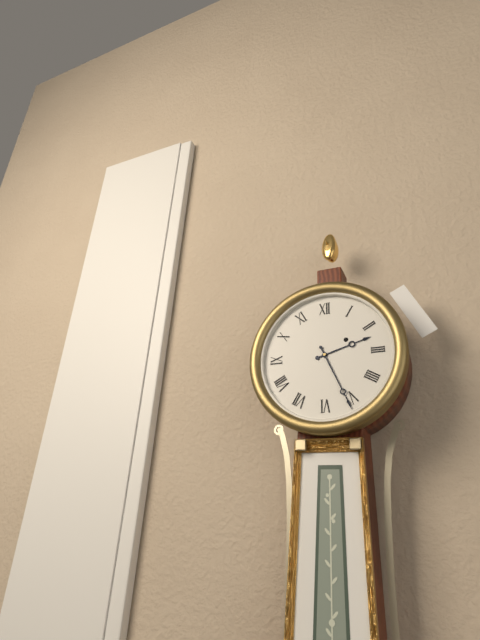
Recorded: 2 h 26 min
